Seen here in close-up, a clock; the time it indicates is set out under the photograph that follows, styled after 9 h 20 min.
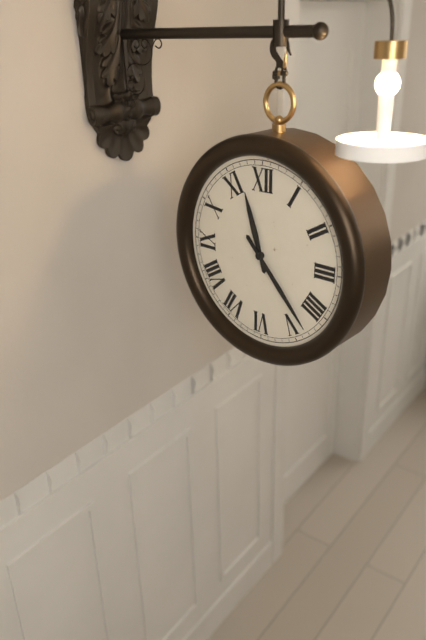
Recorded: 11 h 23 min
